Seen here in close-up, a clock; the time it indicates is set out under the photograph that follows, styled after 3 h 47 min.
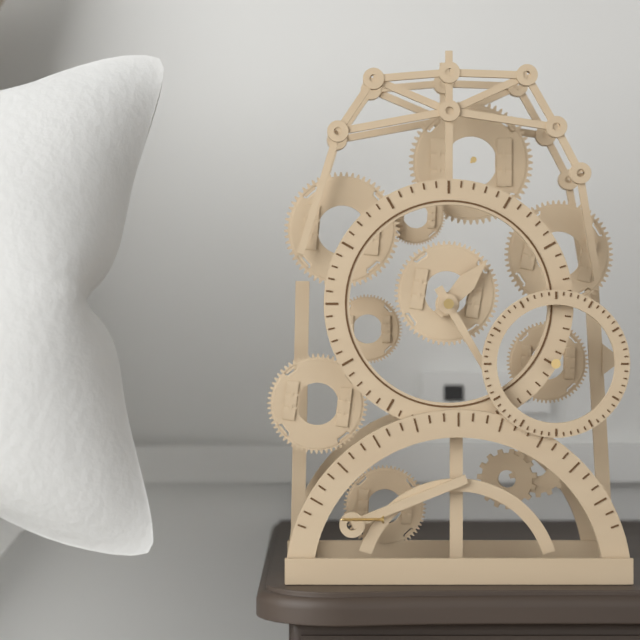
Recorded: 1 h 25 min
